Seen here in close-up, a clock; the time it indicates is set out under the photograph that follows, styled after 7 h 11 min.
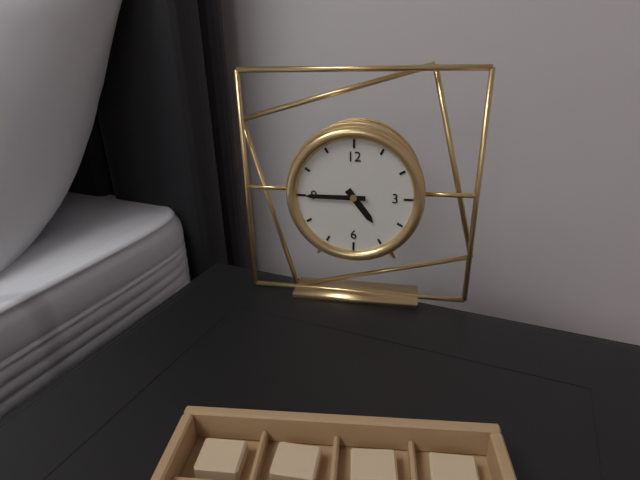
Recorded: 4 h 45 min
